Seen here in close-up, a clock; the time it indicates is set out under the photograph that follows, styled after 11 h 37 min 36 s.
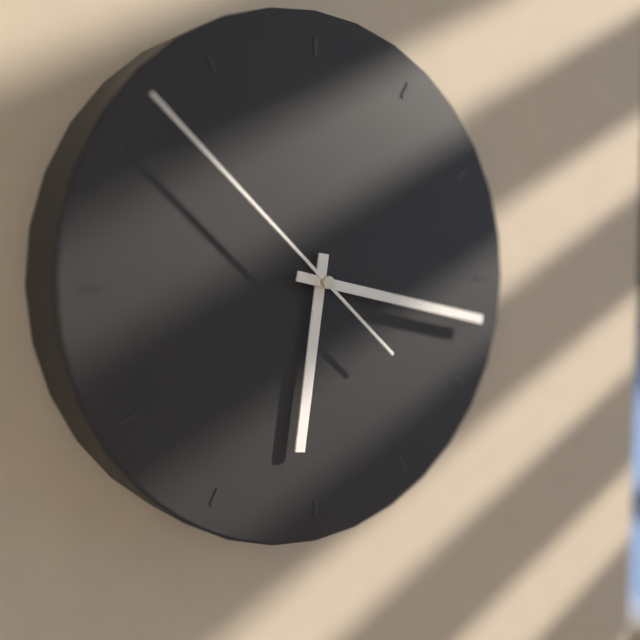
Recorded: 6 h 17 min 52 s
